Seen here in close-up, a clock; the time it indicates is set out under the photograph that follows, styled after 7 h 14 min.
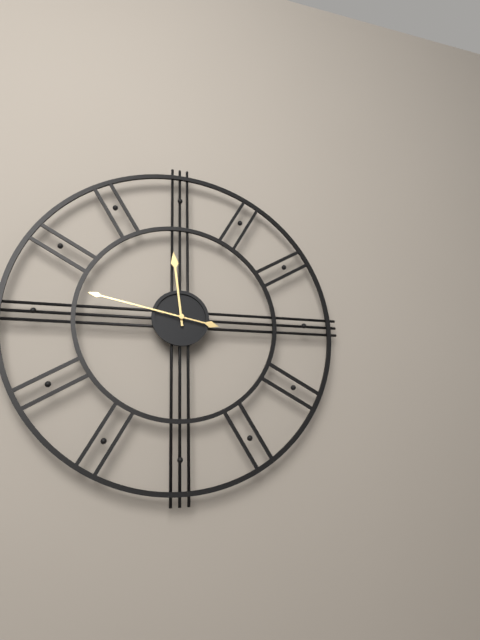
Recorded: 11 h 47 min
